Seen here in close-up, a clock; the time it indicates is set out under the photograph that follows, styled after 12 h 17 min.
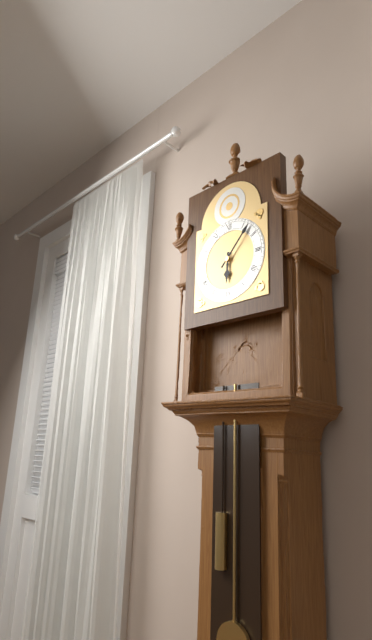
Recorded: 6 h 07 min
